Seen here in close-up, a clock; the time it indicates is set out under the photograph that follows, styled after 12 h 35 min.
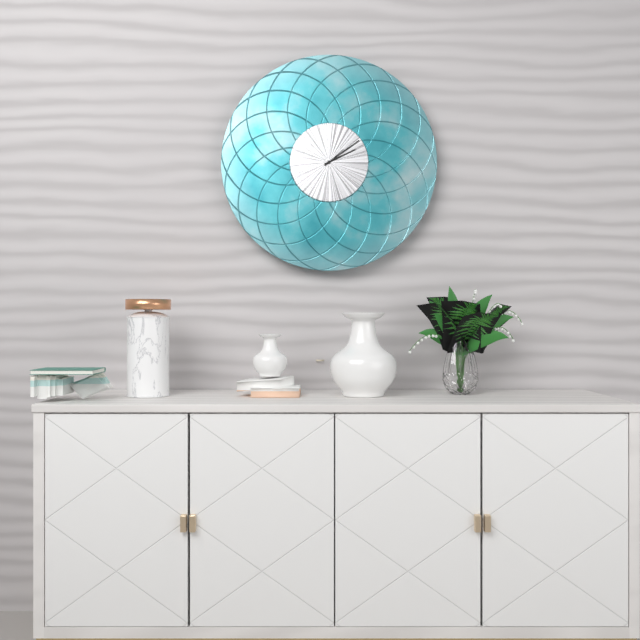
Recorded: 2 h 09 min
